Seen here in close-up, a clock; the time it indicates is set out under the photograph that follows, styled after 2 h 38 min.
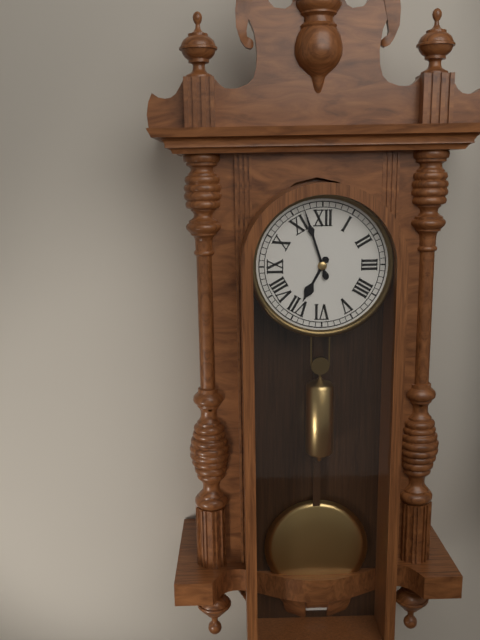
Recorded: 6 h 57 min
